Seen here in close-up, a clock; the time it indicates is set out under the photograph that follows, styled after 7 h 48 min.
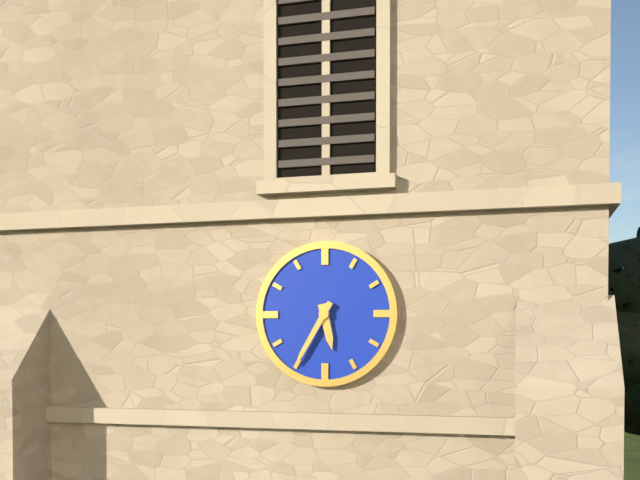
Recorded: 5 h 35 min
